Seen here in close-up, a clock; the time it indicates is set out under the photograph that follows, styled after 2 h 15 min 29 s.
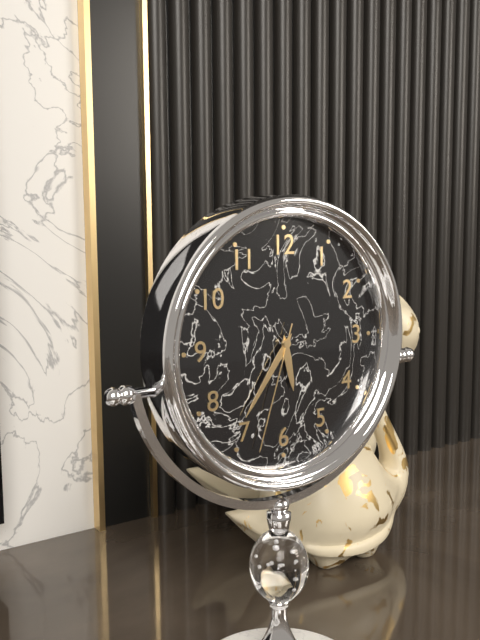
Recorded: 5 h 36 min 33 s
